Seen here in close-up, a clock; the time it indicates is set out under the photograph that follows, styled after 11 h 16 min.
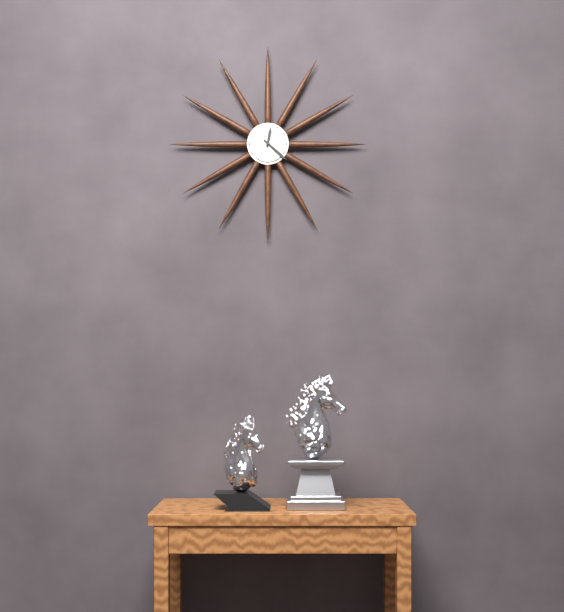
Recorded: 12 h 22 min
